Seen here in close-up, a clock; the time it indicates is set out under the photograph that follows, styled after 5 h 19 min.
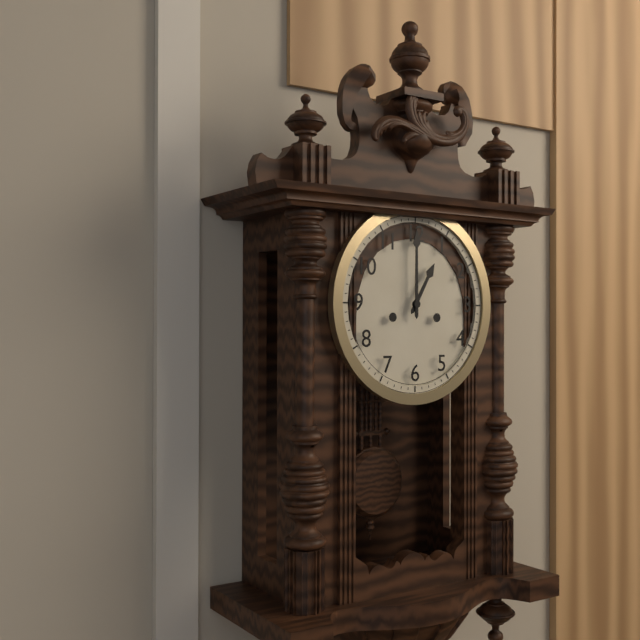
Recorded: 1 h 00 min
